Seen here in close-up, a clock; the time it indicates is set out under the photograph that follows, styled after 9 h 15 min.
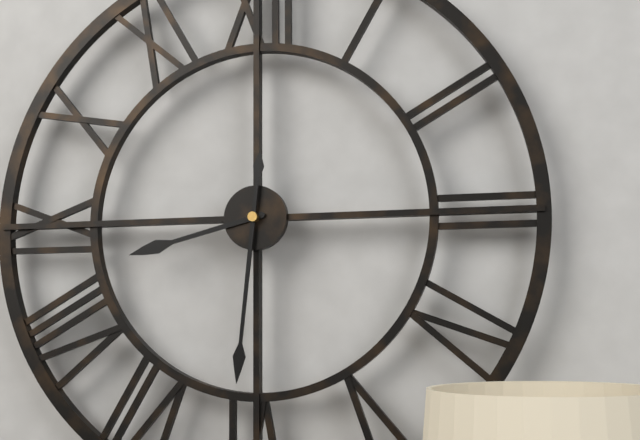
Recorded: 8 h 31 min
